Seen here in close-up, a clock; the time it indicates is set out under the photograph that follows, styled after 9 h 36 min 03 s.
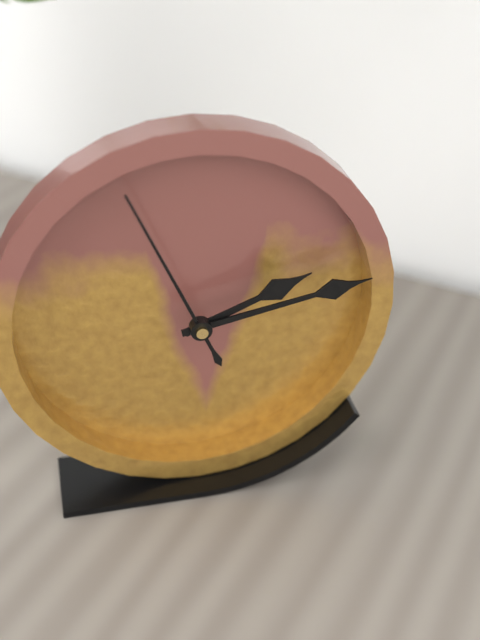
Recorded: 2 h 13 min 56 s
